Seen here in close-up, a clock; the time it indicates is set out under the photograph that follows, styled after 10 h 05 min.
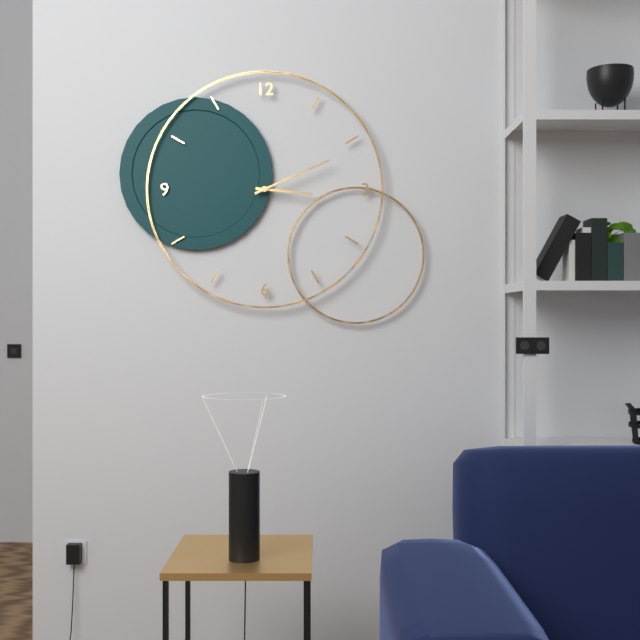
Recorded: 3 h 11 min
